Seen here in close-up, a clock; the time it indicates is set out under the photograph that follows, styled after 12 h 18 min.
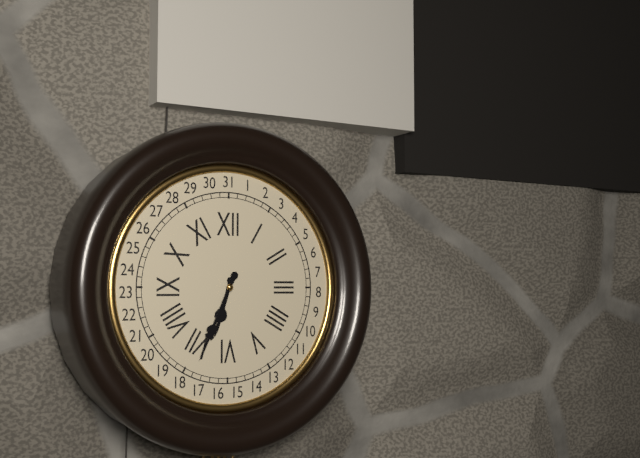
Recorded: 6 h 34 min
